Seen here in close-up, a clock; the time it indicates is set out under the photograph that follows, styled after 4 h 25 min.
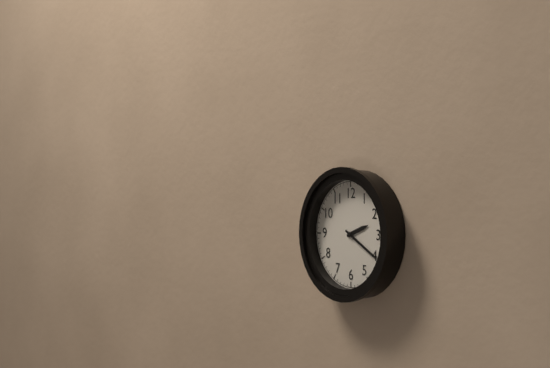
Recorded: 2 h 20 min
